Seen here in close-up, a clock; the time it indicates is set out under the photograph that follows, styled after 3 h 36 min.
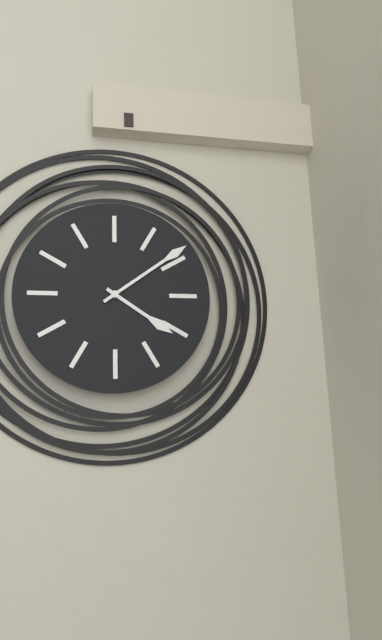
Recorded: 4 h 09 min
